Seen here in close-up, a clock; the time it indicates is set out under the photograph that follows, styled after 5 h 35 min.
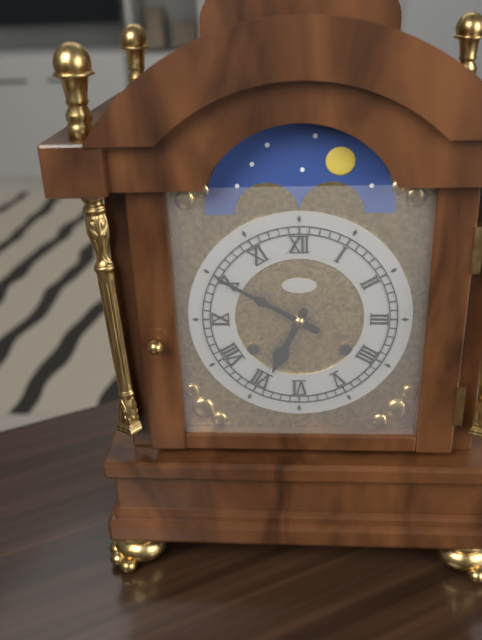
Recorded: 6 h 50 min
